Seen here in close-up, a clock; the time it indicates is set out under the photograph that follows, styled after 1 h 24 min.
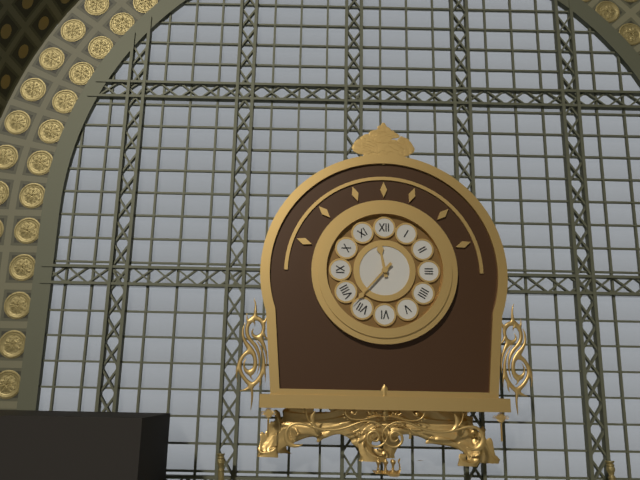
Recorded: 11 h 37 min
